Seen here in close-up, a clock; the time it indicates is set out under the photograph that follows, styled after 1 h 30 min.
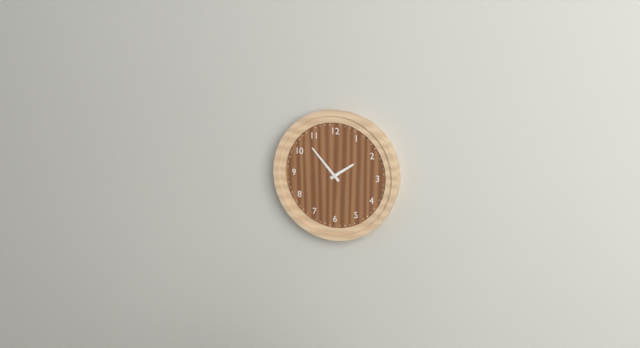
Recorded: 1 h 53 min
